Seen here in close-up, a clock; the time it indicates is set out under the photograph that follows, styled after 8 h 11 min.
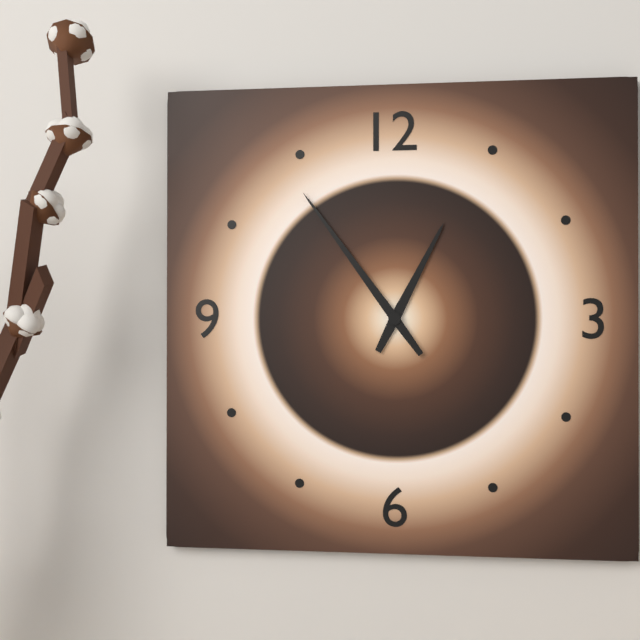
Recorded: 12 h 54 min
